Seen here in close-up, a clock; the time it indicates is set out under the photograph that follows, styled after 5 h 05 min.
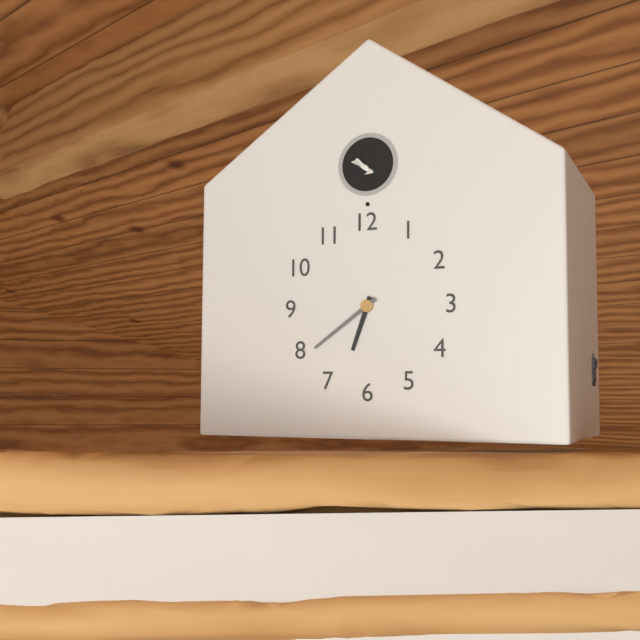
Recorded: 6 h 39 min
